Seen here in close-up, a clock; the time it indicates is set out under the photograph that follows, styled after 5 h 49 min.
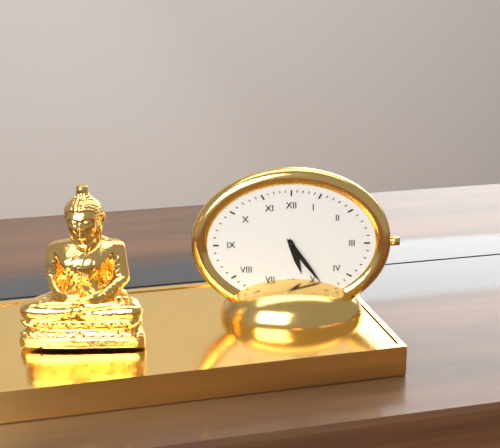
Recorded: 5 h 24 min
